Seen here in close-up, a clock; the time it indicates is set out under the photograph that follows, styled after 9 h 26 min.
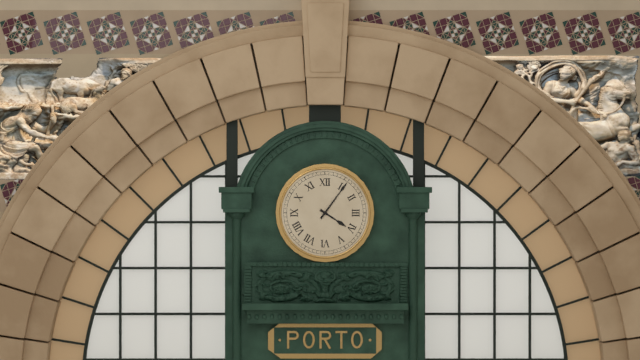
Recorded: 4 h 06 min
